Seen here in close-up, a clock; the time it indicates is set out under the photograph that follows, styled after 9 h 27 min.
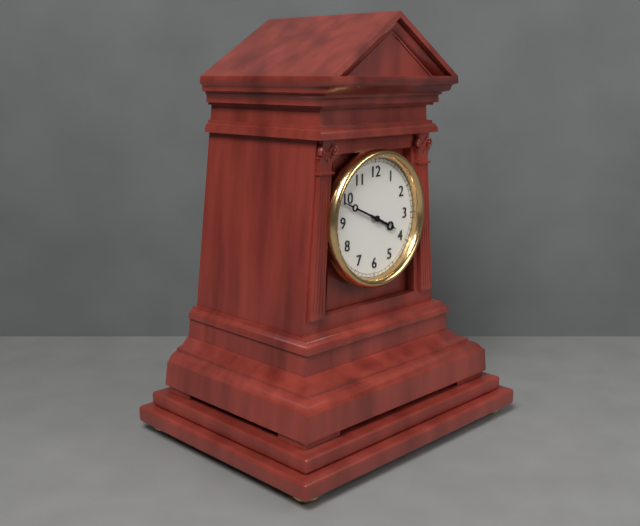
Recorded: 3 h 49 min
